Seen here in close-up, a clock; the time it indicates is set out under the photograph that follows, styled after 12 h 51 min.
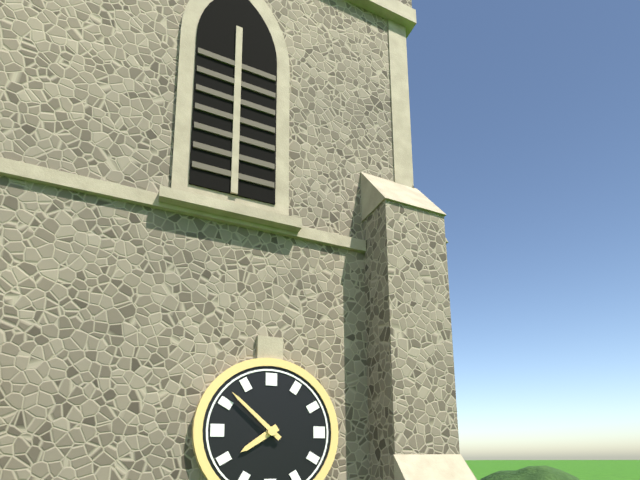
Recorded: 7 h 52 min
